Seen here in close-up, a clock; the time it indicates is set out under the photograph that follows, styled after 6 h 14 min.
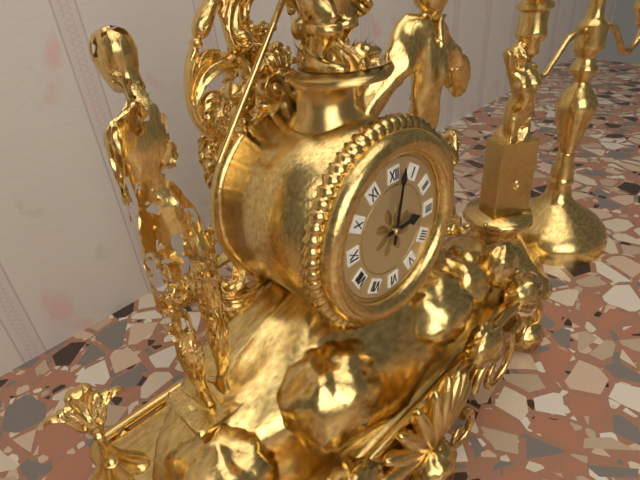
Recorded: 3 h 02 min
